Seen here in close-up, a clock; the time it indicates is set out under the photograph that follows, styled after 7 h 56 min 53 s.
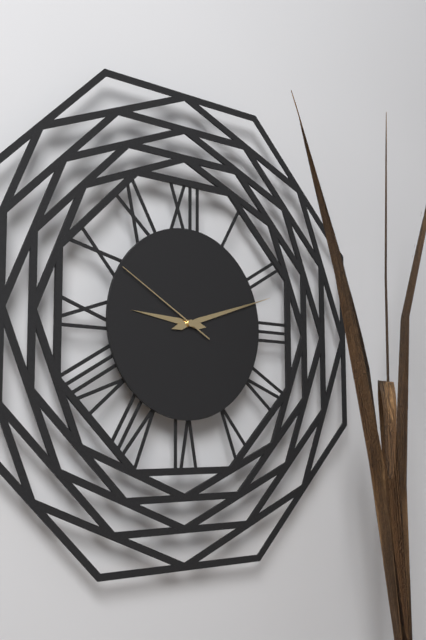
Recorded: 9 h 12 min 50 s
